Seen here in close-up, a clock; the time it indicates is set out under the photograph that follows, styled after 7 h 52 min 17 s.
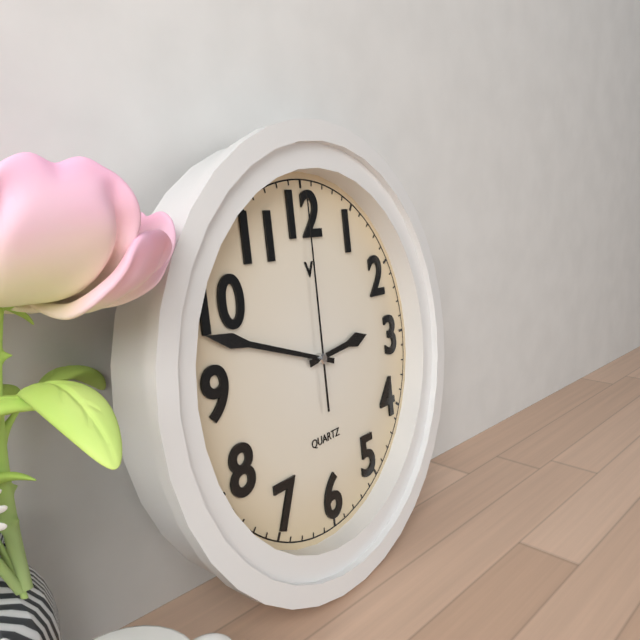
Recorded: 2 h 48 min 00 s
